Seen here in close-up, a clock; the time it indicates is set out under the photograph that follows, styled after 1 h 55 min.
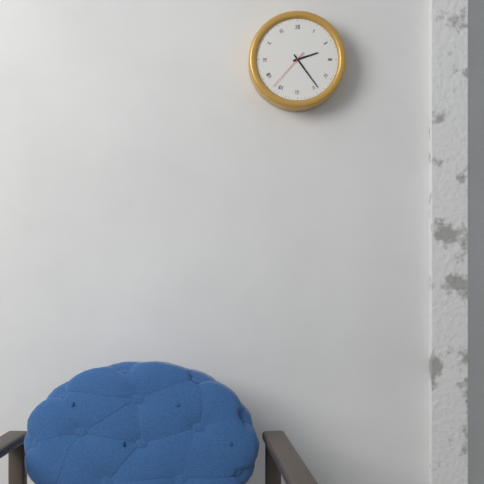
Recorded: 2 h 24 min
